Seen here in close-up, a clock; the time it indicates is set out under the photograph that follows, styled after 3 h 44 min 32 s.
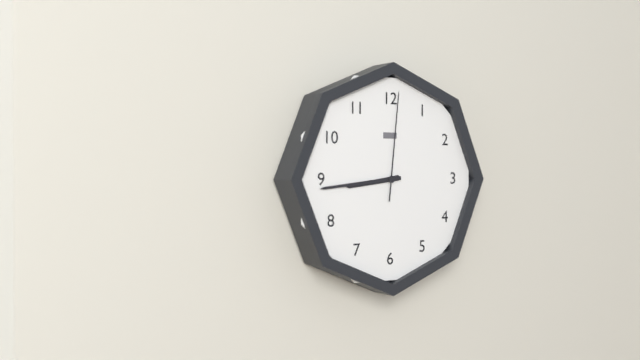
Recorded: 8 h 44 min 01 s
